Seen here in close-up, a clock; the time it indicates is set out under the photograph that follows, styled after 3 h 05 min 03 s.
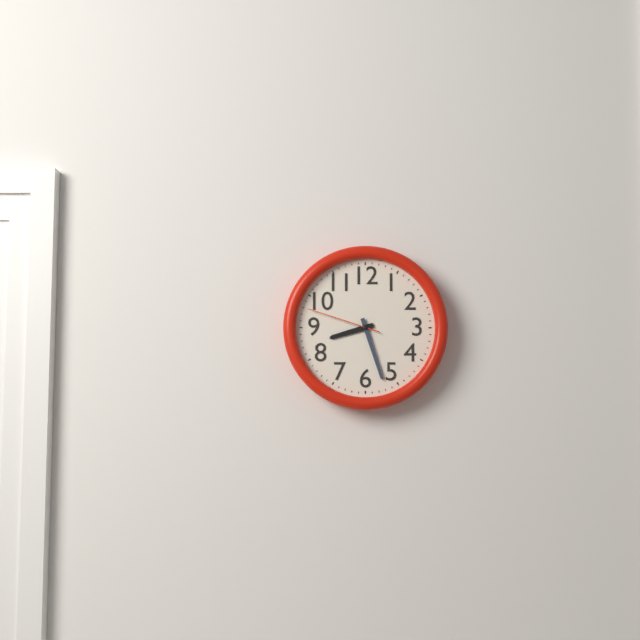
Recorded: 8 h 27 min 48 s
